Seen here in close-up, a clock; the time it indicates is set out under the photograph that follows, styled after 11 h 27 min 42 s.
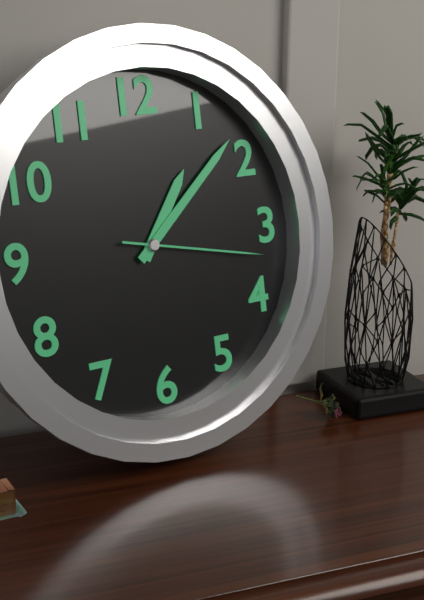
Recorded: 1 h 08 min 17 s
